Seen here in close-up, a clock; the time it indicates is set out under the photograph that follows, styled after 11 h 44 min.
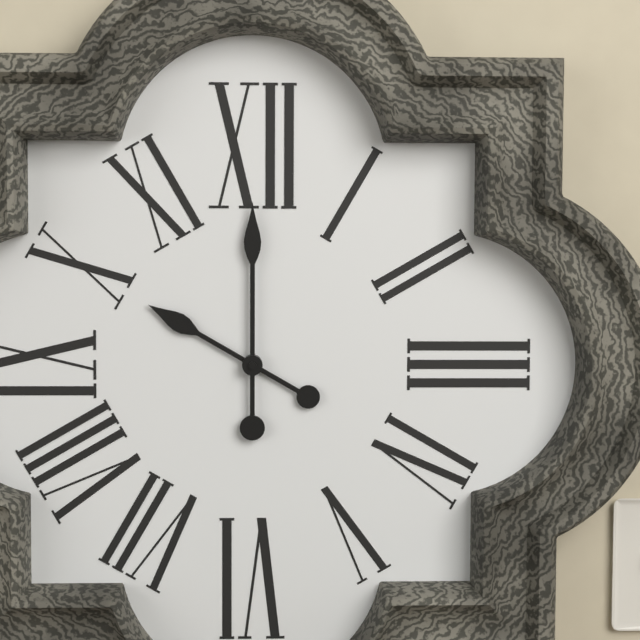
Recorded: 10 h 00 min
